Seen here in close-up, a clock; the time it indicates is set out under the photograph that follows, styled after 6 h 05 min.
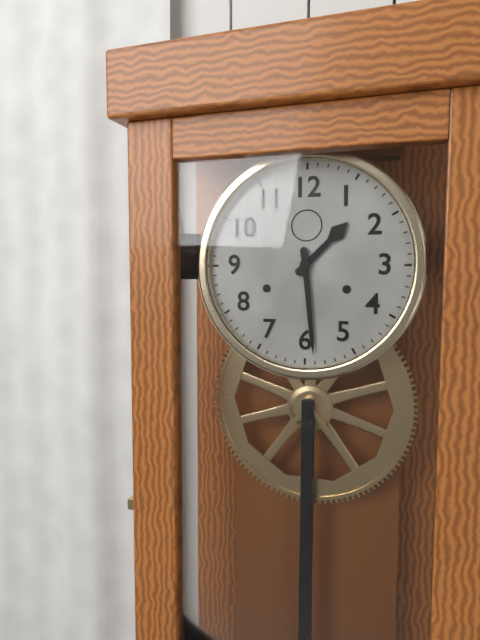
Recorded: 1 h 29 min
